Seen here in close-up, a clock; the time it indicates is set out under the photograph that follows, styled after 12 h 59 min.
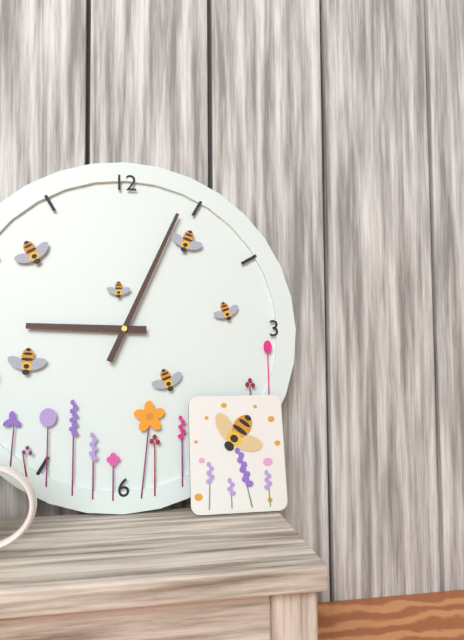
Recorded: 9 h 04 min
